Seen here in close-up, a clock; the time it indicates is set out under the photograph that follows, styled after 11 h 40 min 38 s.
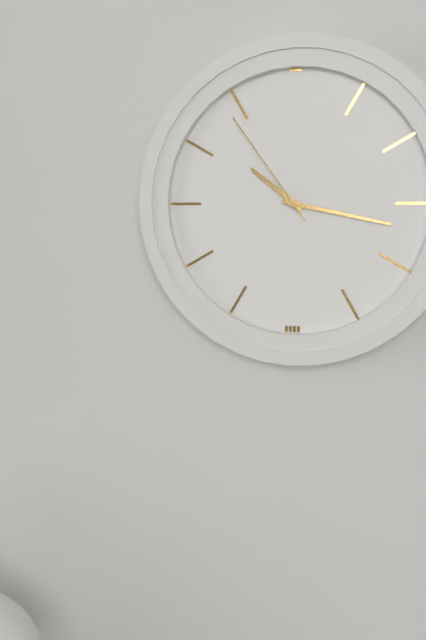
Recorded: 10 h 17 min 54 s
